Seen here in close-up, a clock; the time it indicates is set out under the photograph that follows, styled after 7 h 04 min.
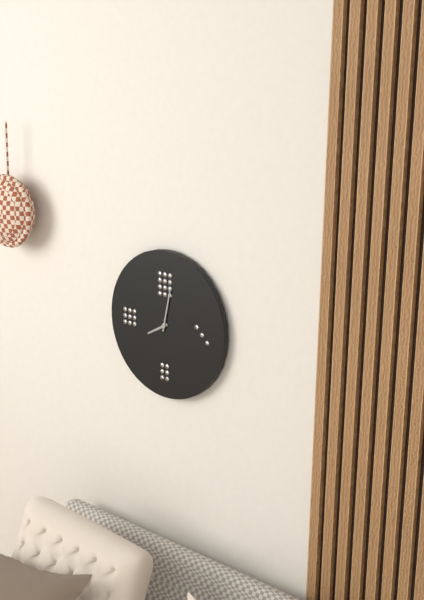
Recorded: 8 h 02 min
